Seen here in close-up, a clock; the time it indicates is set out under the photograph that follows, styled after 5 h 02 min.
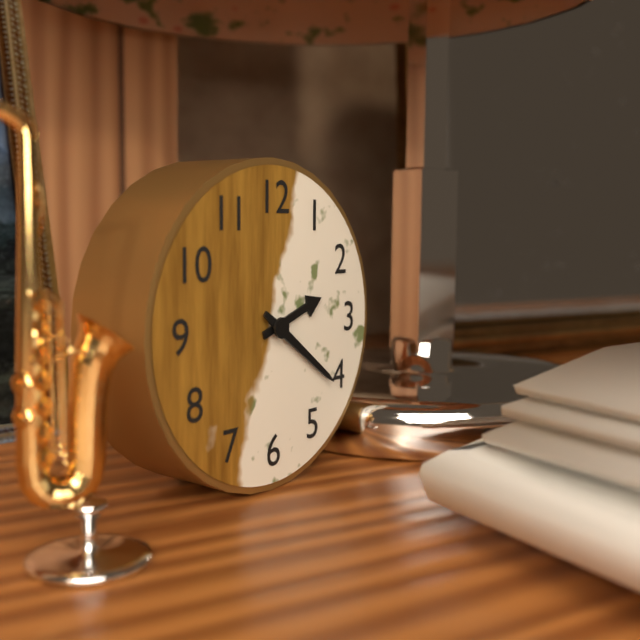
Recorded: 2 h 21 min
